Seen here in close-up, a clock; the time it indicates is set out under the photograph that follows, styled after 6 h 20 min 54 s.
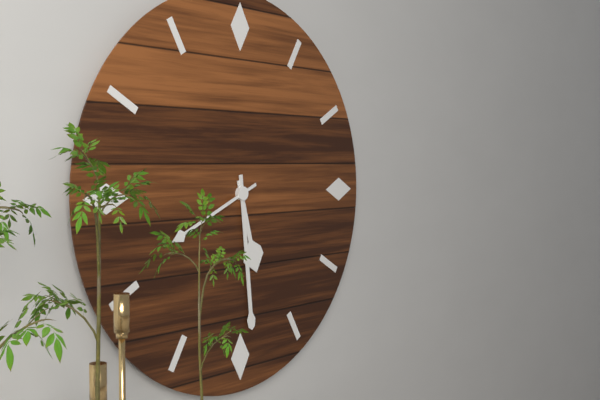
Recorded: 5 h 29 min 41 s
